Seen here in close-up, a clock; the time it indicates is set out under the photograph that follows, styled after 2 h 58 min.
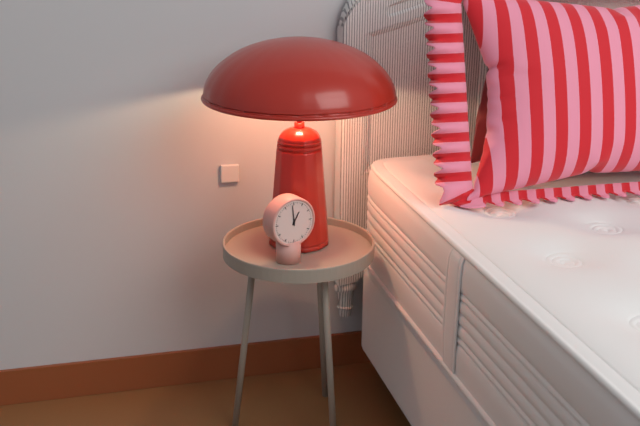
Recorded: 12 h 59 min
